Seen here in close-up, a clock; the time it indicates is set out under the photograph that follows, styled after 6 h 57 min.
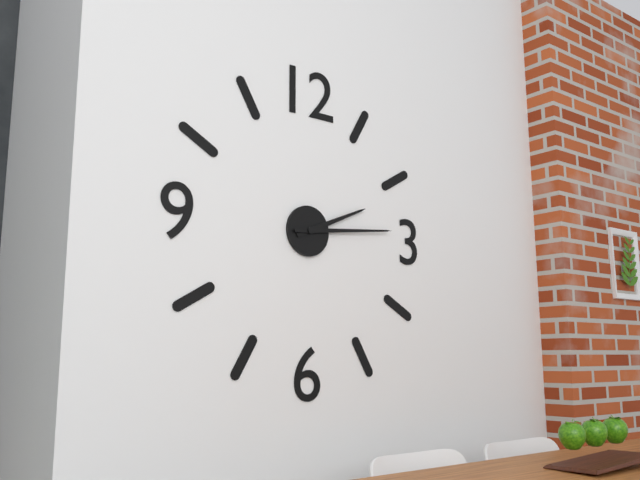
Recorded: 2 h 14 min
